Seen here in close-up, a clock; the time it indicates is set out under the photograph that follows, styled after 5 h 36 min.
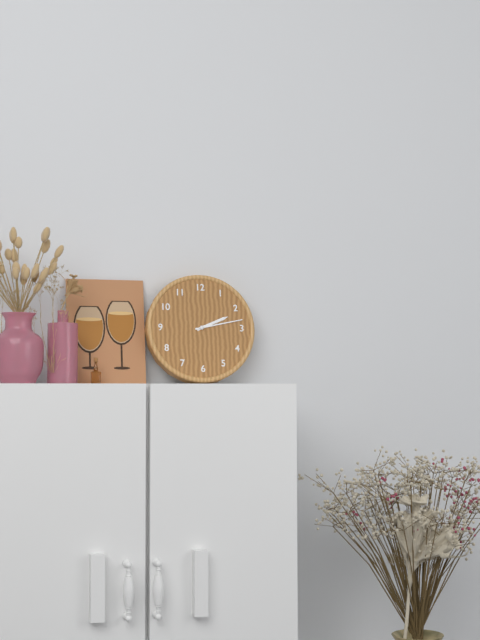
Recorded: 2 h 13 min
